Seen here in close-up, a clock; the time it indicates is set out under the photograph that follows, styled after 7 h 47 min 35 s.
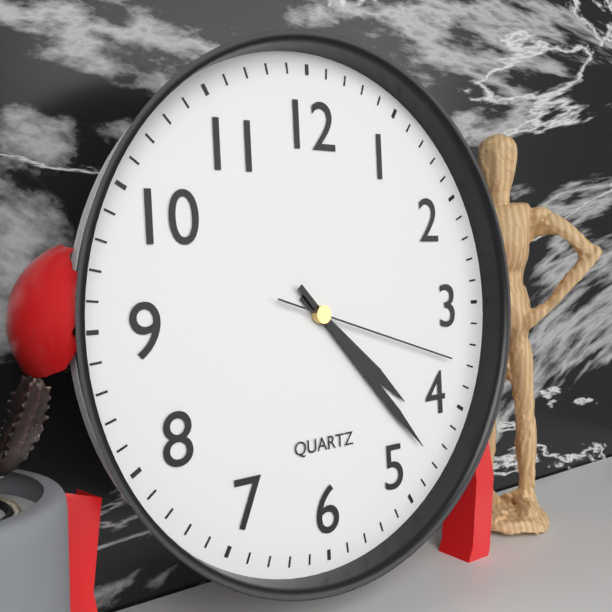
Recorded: 4 h 23 min 18 s
